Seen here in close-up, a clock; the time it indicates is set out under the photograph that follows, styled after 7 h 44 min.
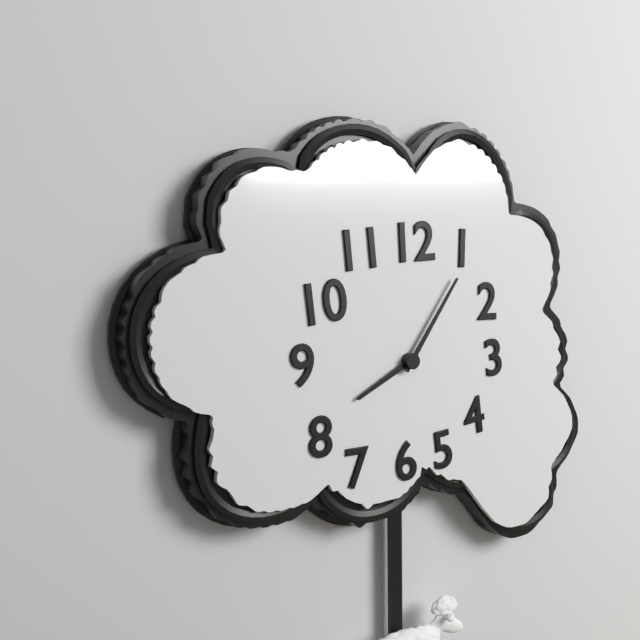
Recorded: 8 h 06 min
